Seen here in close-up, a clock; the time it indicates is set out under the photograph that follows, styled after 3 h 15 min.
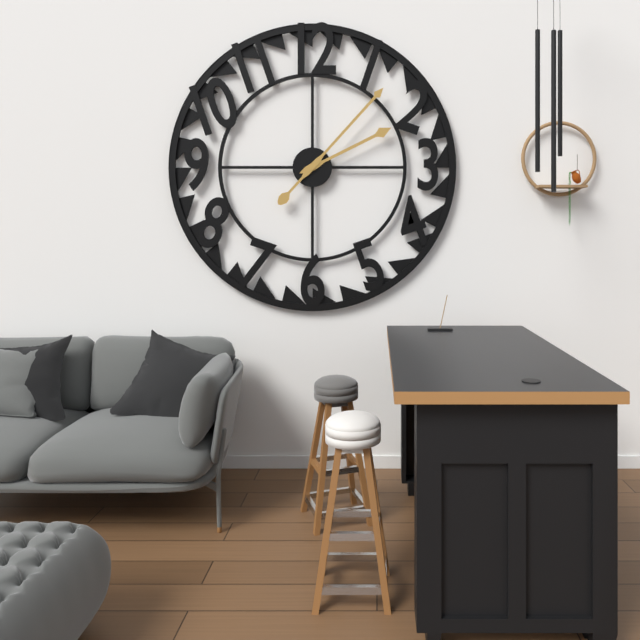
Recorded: 2 h 07 min
